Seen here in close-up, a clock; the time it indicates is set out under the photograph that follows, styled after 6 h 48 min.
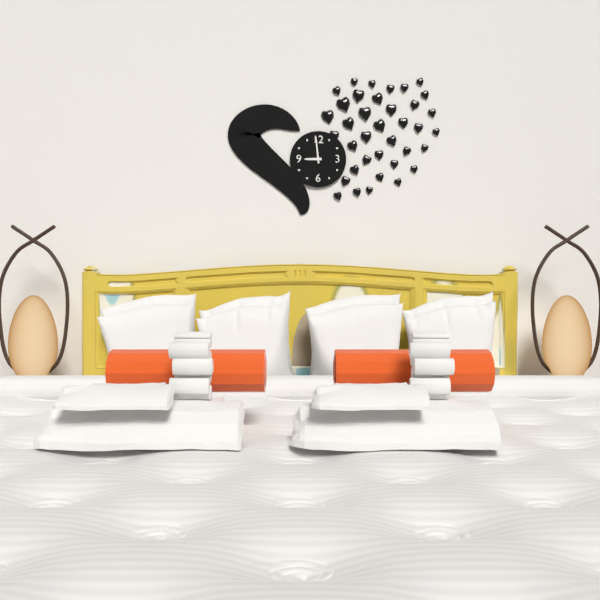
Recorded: 8 h 59 min
